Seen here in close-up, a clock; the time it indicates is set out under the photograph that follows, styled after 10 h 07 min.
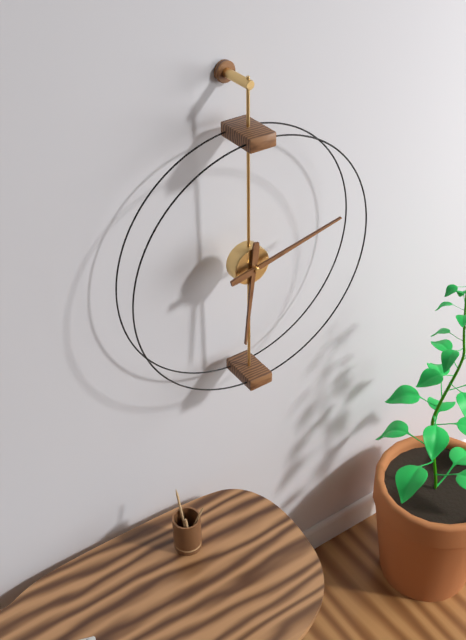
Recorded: 6 h 13 min
